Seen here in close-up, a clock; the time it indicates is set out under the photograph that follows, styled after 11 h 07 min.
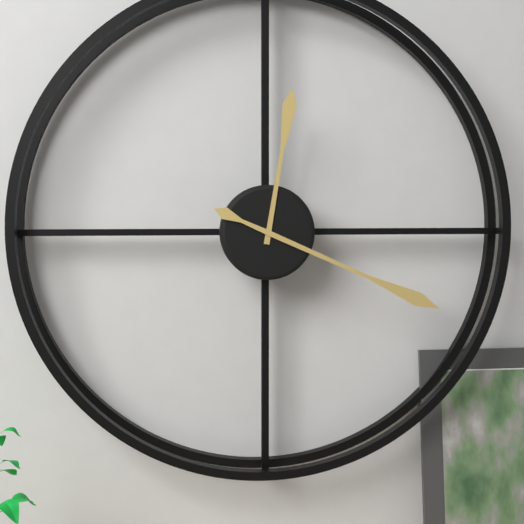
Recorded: 12 h 19 min
